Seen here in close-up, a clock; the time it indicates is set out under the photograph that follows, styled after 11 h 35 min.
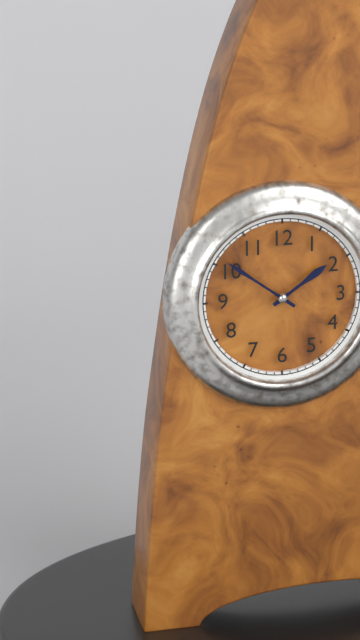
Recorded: 1 h 51 min
